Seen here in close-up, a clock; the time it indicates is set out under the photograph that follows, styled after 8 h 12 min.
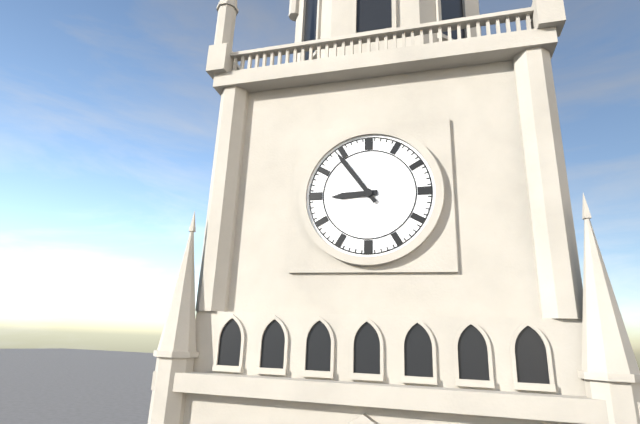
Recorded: 8 h 54 min
